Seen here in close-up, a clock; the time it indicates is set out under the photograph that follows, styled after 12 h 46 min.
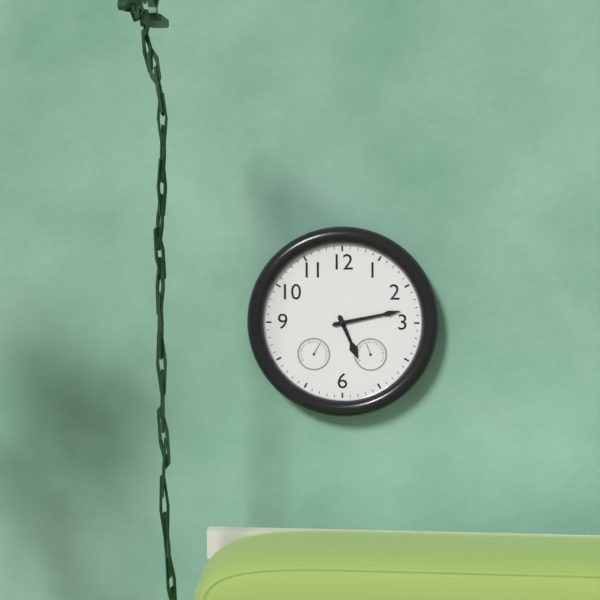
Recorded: 5 h 13 min
